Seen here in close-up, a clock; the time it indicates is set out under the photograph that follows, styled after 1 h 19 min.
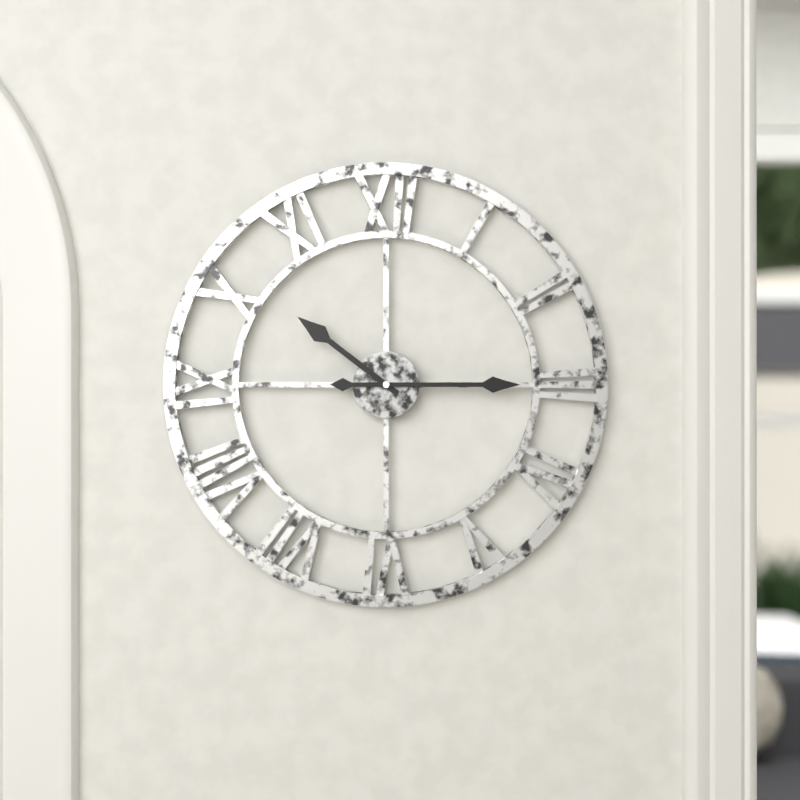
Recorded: 10 h 15 min
